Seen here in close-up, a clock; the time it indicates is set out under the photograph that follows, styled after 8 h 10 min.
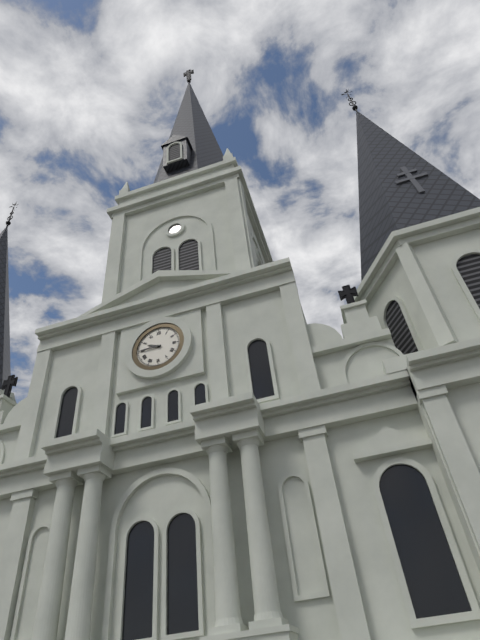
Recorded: 9 h 45 min
